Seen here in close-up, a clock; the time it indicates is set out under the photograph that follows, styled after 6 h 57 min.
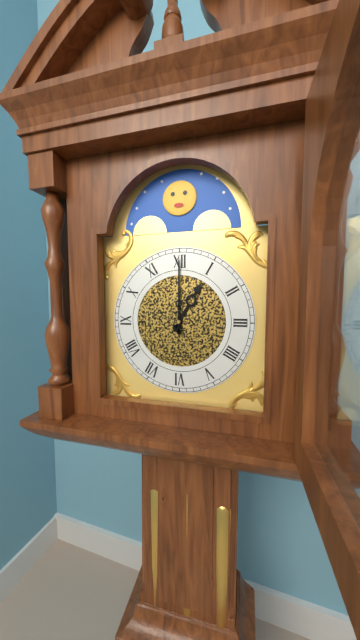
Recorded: 1 h 00 min
